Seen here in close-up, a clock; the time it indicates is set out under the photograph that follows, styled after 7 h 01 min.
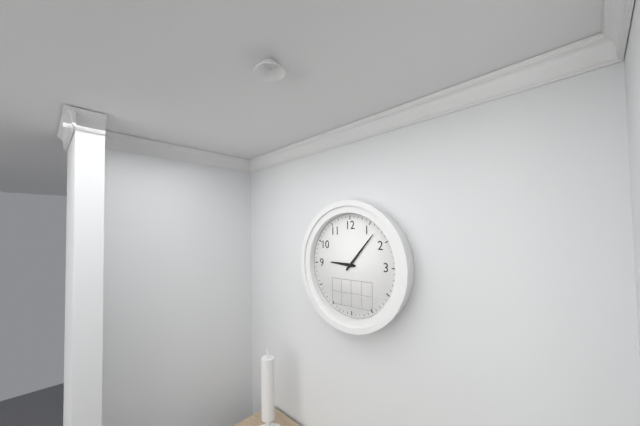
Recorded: 9 h 07 min
